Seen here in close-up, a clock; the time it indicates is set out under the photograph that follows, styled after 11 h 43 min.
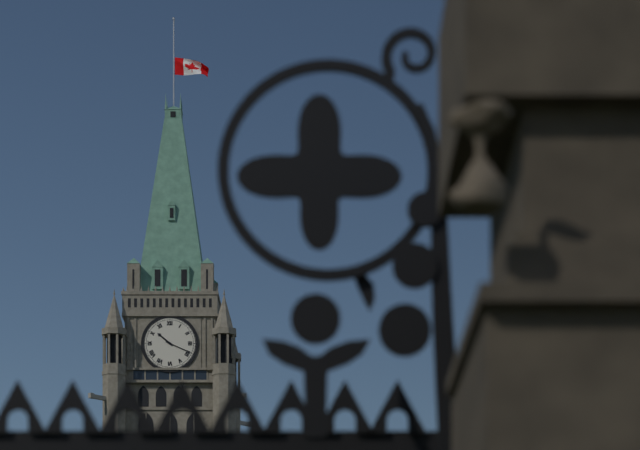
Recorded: 10 h 19 min
